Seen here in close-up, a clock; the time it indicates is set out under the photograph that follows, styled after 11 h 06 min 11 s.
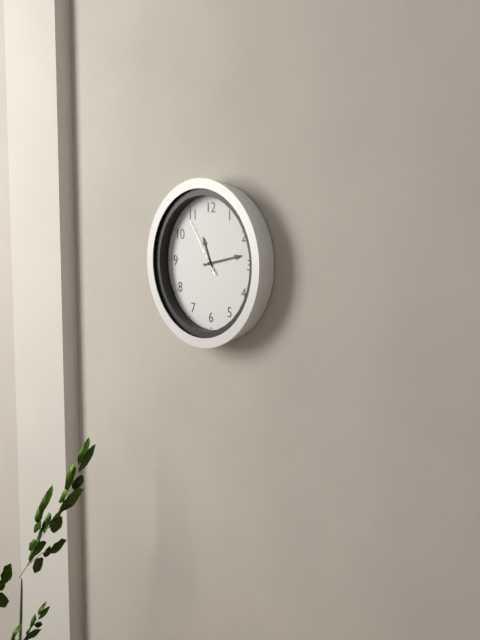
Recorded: 11 h 13 min 54 s
